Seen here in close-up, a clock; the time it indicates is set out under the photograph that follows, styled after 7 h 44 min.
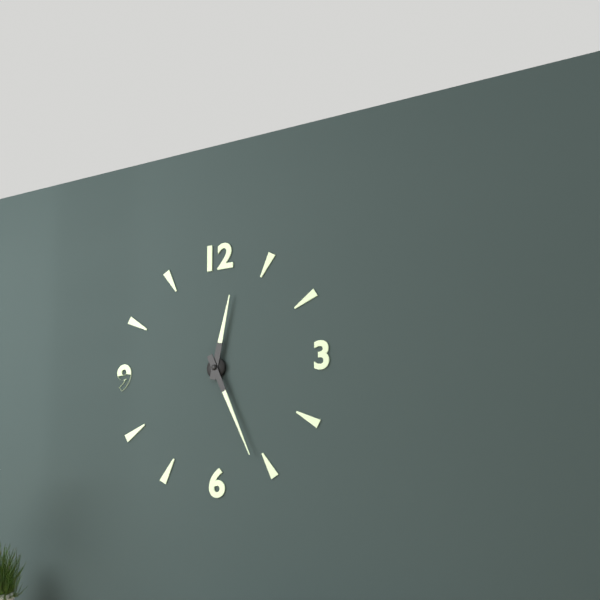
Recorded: 12 h 26 min
